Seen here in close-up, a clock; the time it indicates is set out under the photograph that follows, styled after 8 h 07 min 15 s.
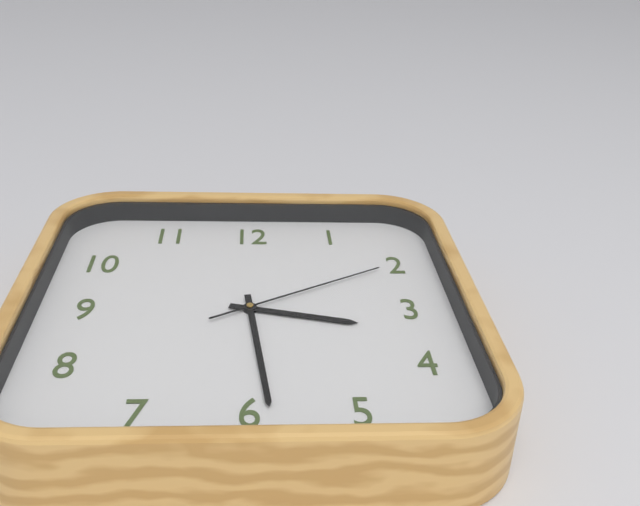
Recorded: 3 h 29 min 10 s
